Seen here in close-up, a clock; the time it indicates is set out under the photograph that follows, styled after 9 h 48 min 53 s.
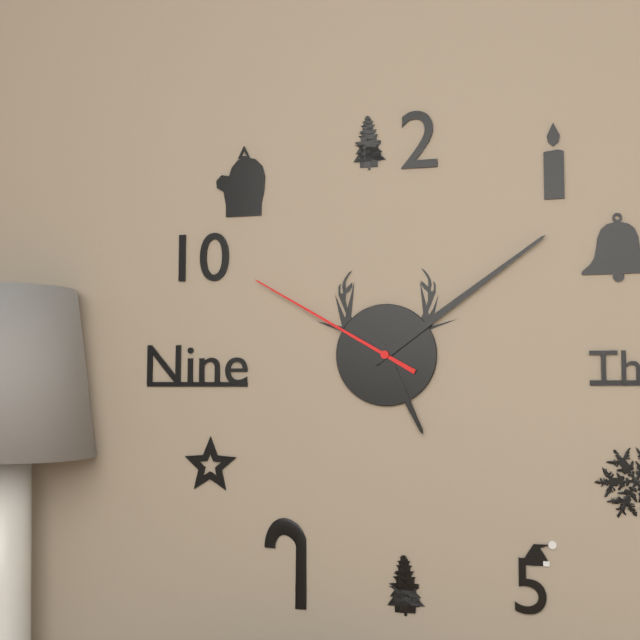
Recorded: 5 h 09 min 50 s
